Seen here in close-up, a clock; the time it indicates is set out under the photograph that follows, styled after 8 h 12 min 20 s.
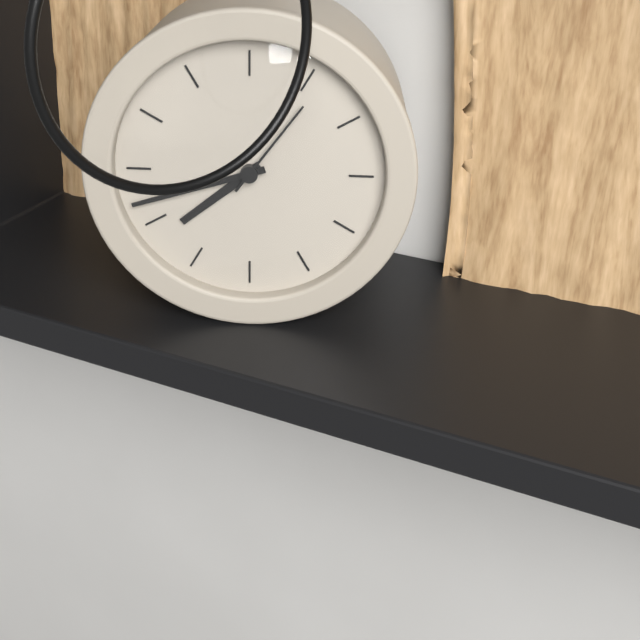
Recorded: 7 h 42 min 06 s
